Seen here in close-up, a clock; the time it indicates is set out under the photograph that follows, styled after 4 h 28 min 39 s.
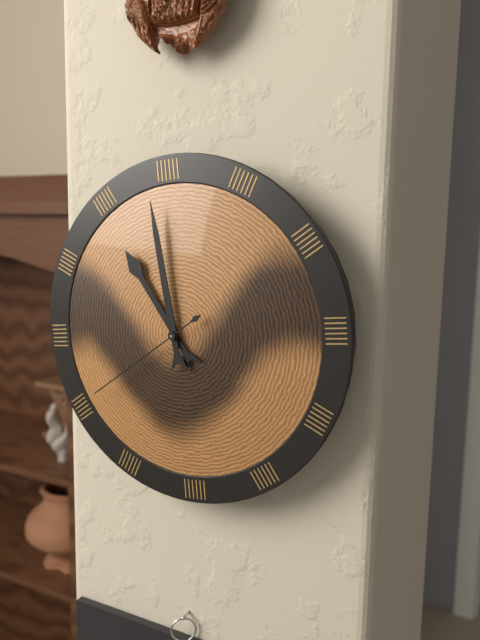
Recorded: 10 h 59 min 40 s
